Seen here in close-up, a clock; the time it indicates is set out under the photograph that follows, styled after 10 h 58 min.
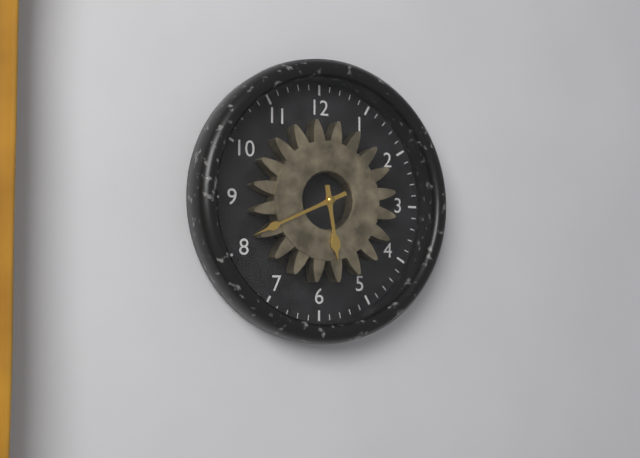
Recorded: 5 h 41 min
